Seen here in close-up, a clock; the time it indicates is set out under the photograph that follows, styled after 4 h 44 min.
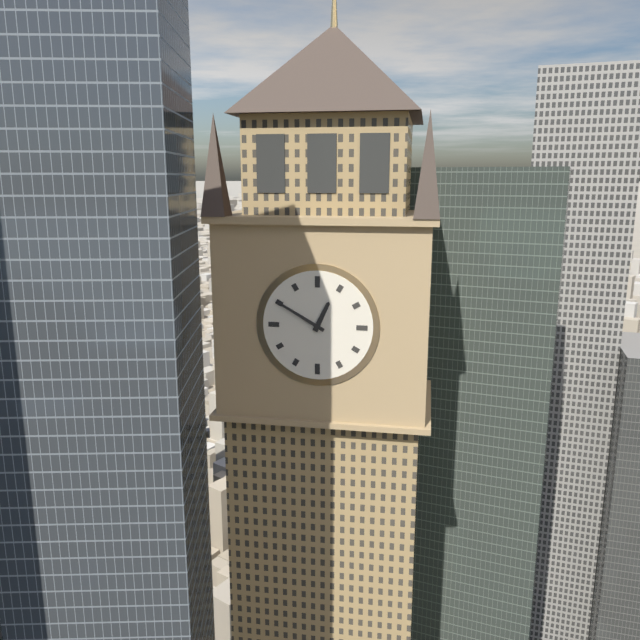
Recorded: 12 h 50 min
